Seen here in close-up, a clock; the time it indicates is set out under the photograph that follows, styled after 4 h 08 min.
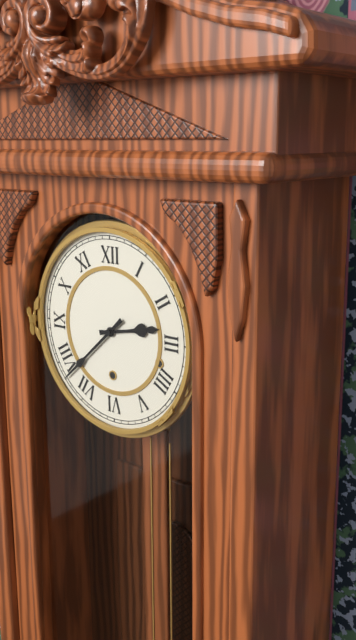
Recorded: 2 h 38 min
